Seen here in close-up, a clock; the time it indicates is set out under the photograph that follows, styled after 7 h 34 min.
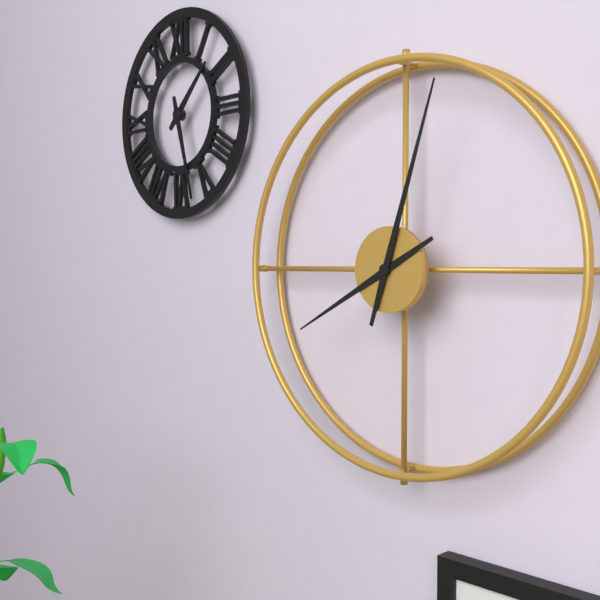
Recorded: 8 h 03 min
